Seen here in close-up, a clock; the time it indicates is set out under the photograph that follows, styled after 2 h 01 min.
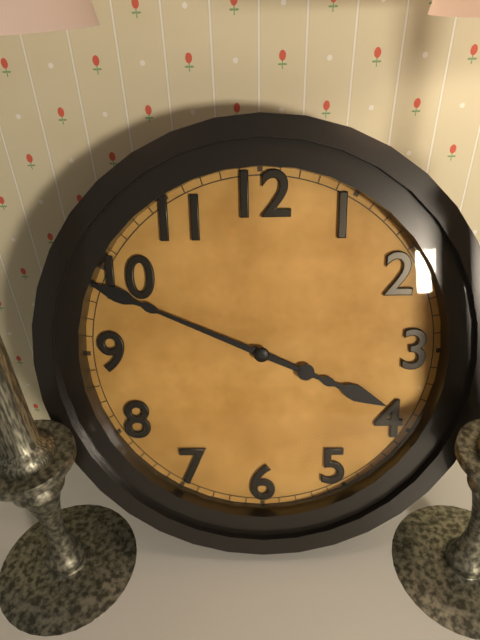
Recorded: 3 h 49 min
